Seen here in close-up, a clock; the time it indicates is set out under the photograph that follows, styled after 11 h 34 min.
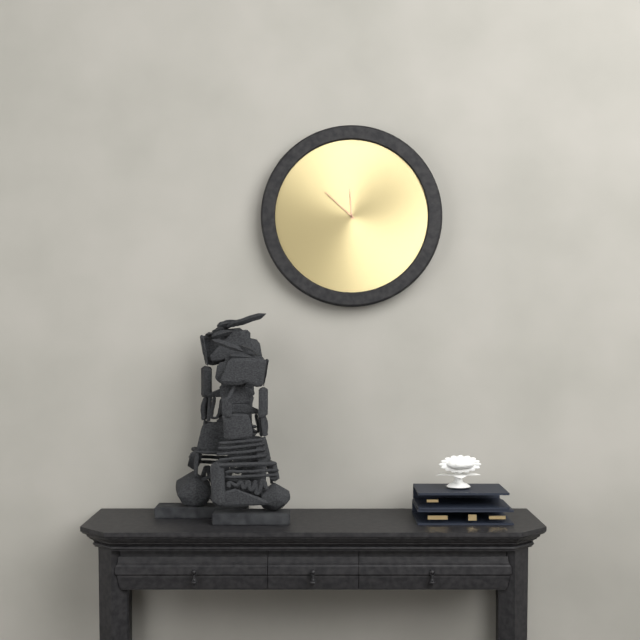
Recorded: 11 h 52 min
